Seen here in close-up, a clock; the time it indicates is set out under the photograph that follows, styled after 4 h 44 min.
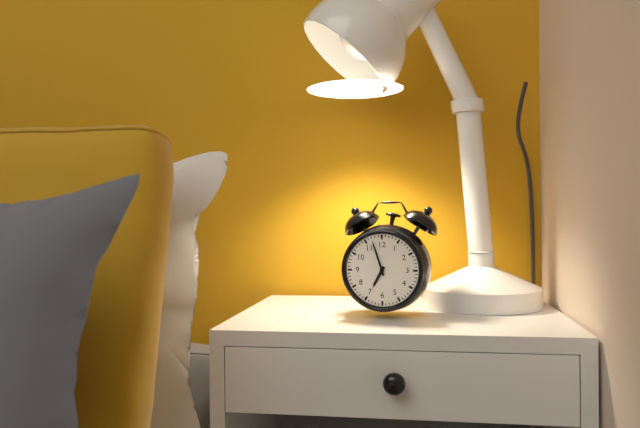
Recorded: 6 h 57 min
